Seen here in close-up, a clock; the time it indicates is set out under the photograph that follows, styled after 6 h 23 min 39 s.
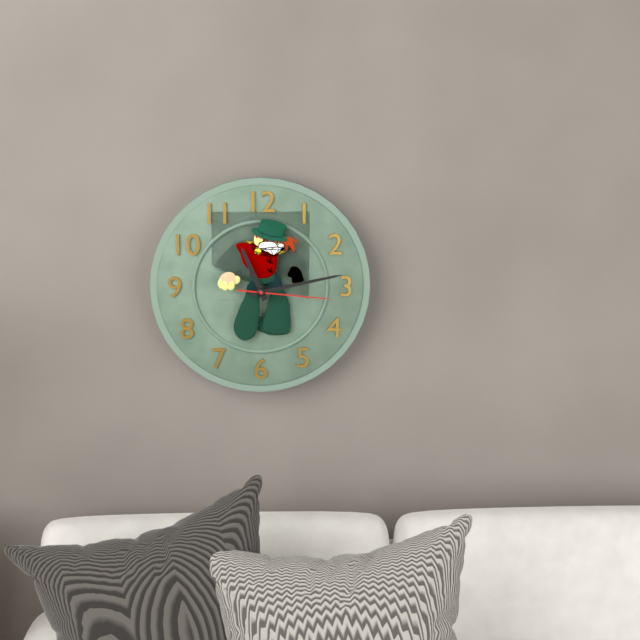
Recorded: 11 h 13 min 16 s
